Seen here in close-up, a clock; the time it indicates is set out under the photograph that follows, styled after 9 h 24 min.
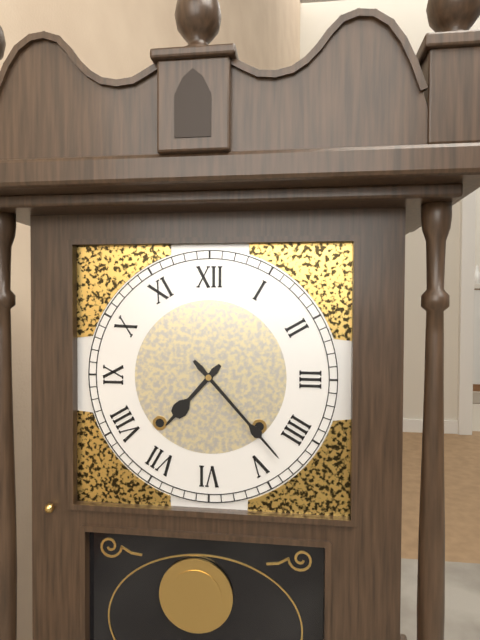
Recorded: 7 h 23 min
